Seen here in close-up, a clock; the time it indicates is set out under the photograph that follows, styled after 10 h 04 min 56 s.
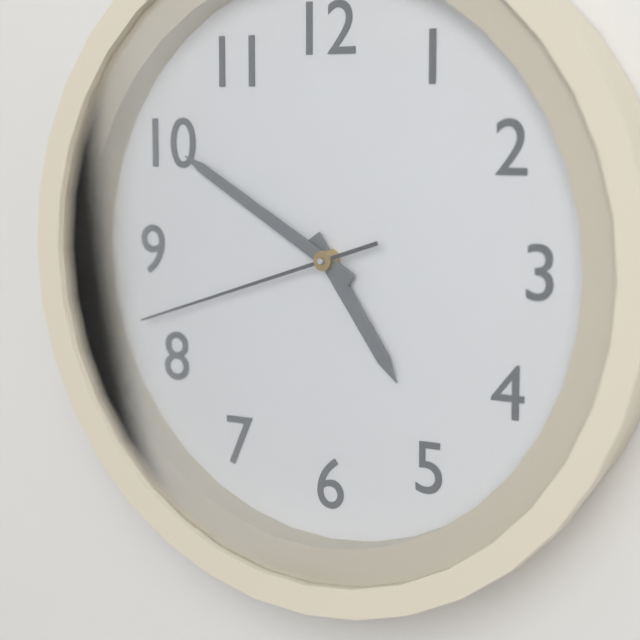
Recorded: 4 h 50 min 42 s
